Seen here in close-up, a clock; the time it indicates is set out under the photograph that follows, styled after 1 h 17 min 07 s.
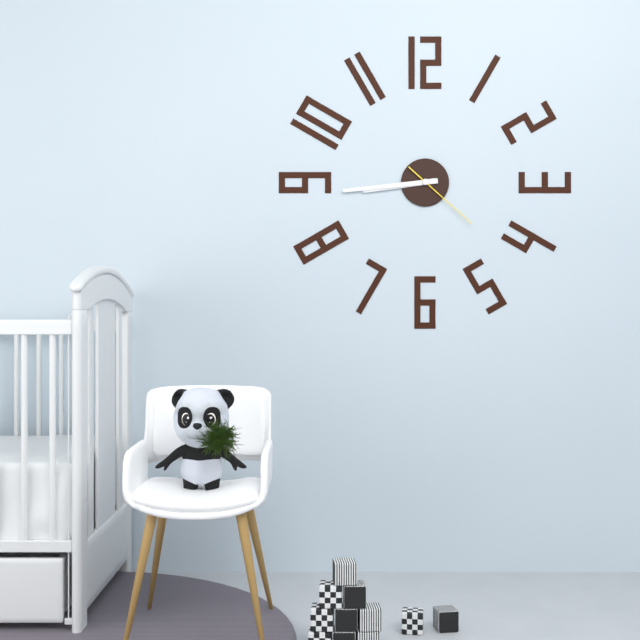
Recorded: 8 h 44 min 22 s
